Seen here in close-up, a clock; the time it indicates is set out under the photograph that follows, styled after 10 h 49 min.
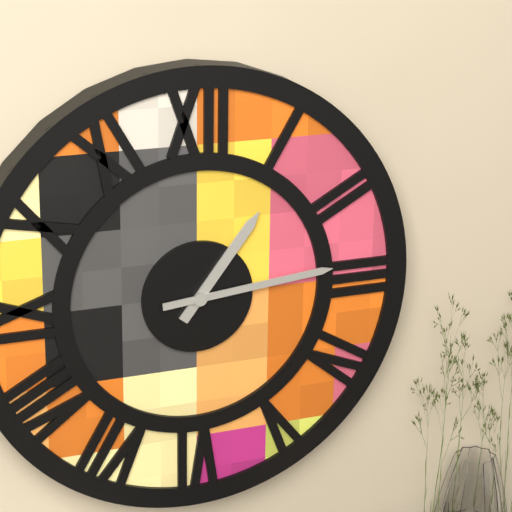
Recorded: 1 h 14 min
